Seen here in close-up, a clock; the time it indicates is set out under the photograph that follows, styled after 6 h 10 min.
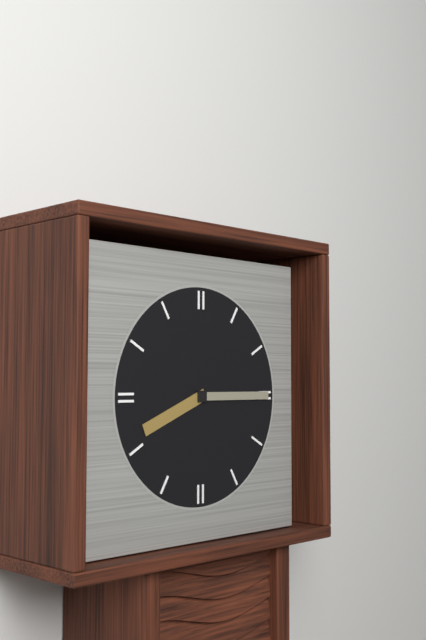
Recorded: 8 h 15 min
